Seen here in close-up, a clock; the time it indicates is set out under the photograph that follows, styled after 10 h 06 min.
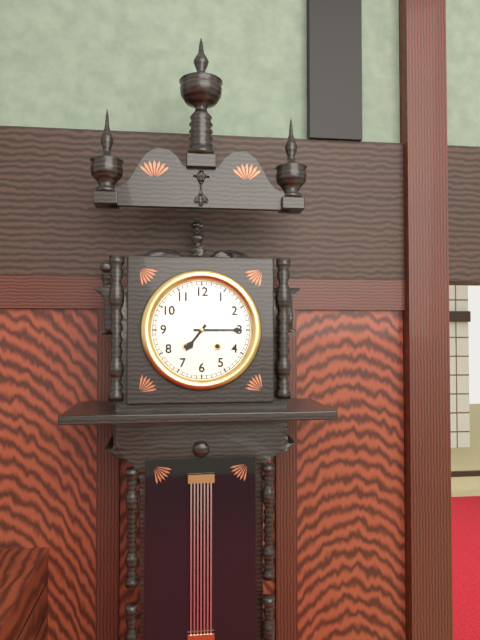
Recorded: 7 h 15 min
